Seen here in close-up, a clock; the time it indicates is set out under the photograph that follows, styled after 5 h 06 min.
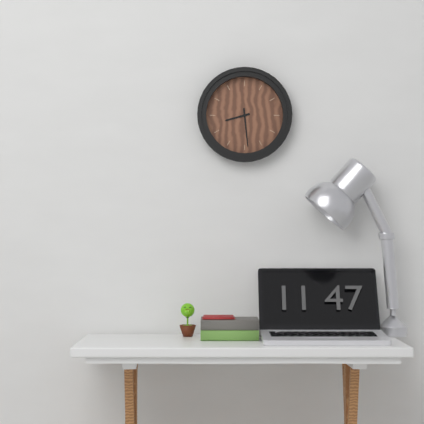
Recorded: 8 h 29 min
